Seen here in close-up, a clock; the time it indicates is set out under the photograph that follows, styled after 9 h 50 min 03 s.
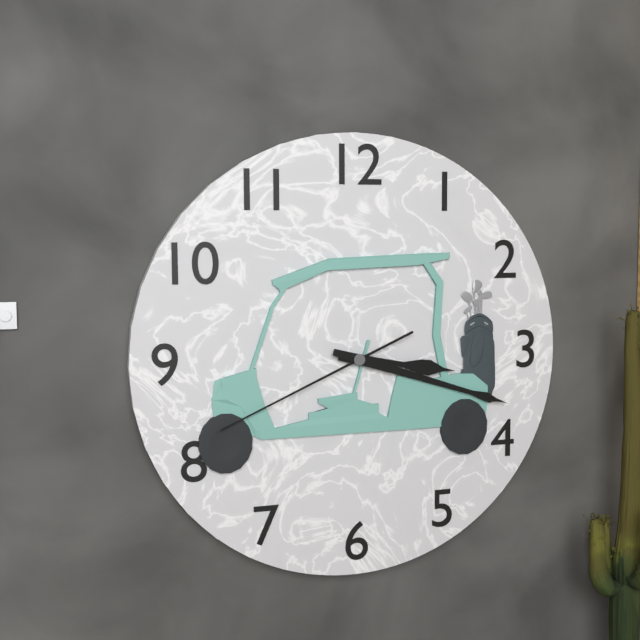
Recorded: 3 h 18 min 41 s
